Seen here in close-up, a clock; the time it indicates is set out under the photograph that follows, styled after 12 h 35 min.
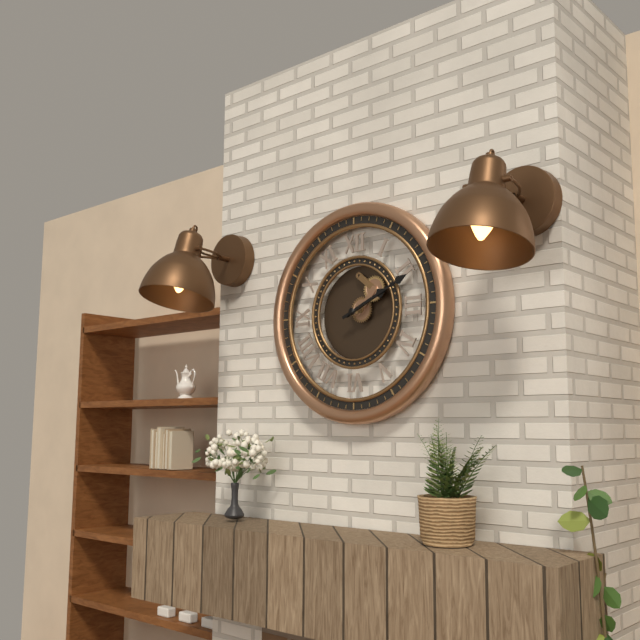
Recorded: 2 h 11 min
